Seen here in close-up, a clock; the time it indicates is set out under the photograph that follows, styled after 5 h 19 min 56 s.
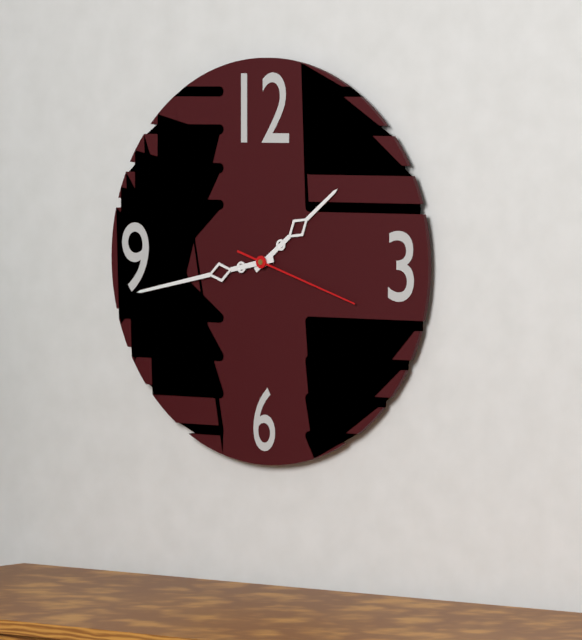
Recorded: 1 h 43 min 18 s
